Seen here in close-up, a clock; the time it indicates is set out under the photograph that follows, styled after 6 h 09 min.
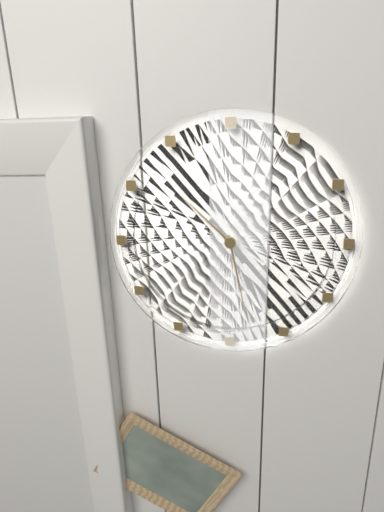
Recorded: 10 h 28 min
